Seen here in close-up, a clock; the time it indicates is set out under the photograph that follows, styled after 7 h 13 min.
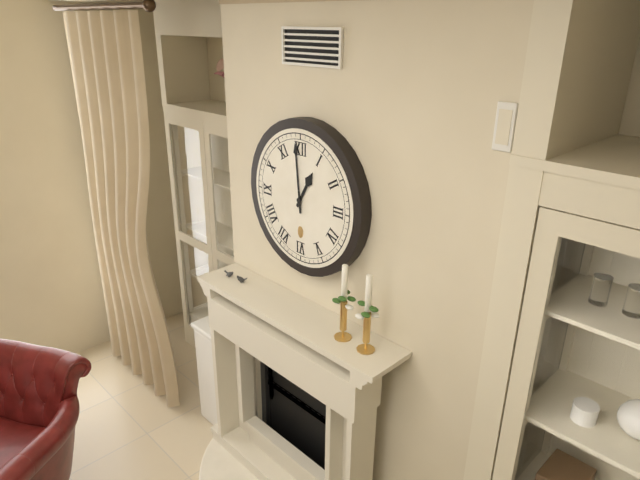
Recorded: 12 h 59 min
